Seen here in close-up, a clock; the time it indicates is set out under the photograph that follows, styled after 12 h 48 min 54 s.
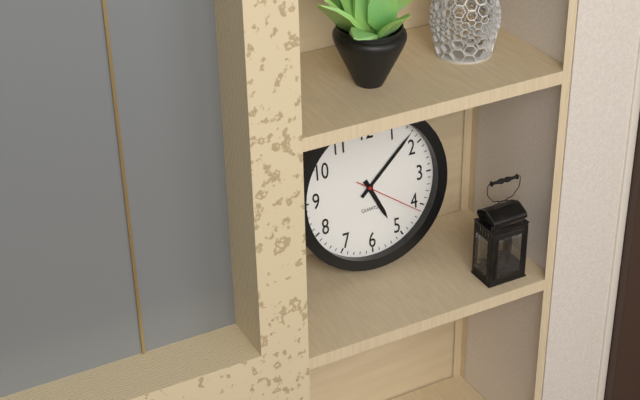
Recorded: 5 h 08 min 21 s
